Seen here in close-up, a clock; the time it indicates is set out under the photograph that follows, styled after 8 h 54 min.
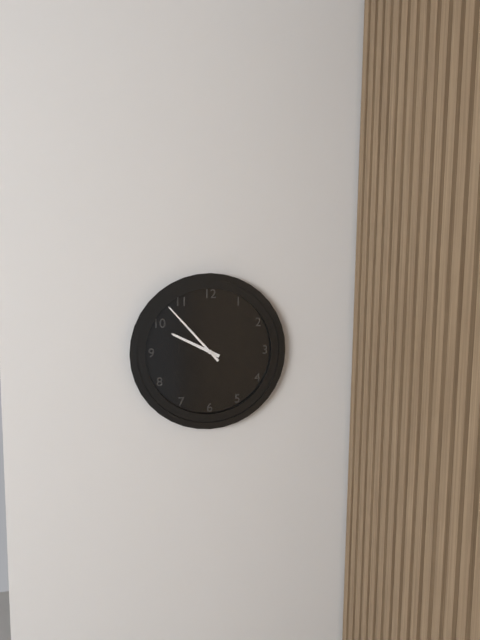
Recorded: 9 h 53 min
